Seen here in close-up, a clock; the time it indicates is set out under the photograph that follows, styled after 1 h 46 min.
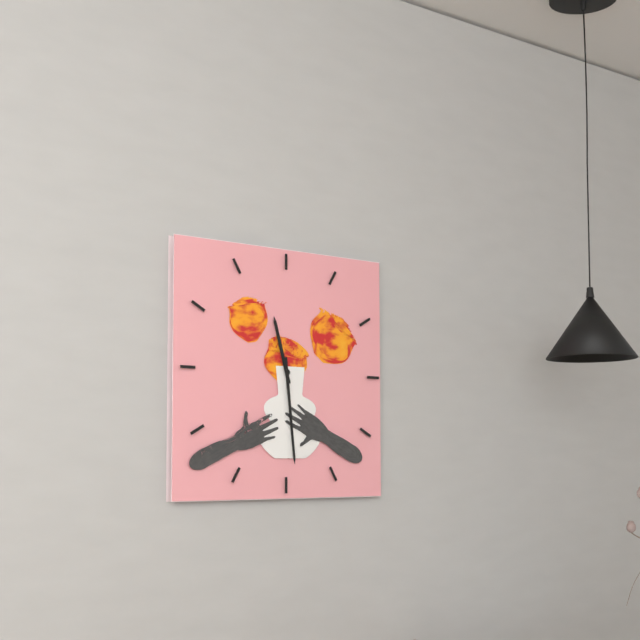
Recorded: 11 h 29 min
